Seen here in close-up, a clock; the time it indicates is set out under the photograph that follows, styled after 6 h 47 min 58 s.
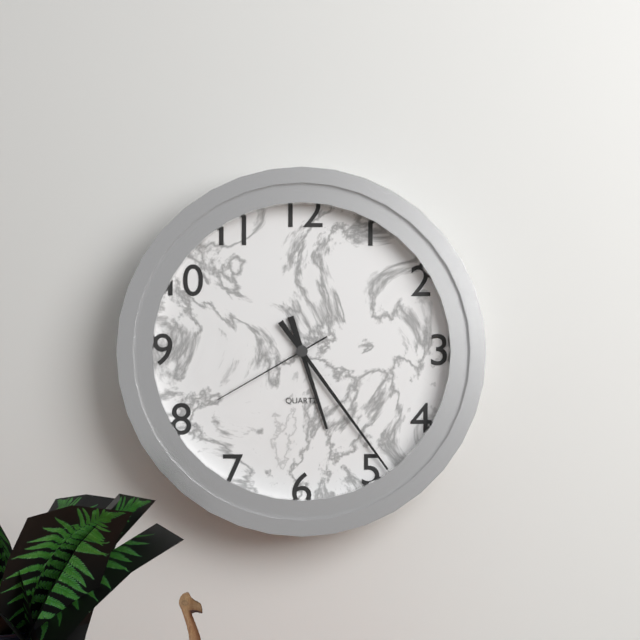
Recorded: 5 h 24 min 40 s
